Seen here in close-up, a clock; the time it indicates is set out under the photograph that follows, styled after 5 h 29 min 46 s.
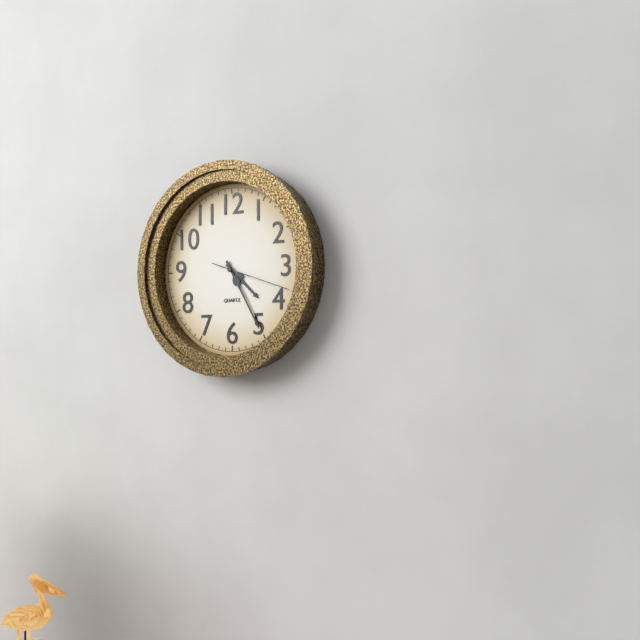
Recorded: 4 h 25 min 18 s
